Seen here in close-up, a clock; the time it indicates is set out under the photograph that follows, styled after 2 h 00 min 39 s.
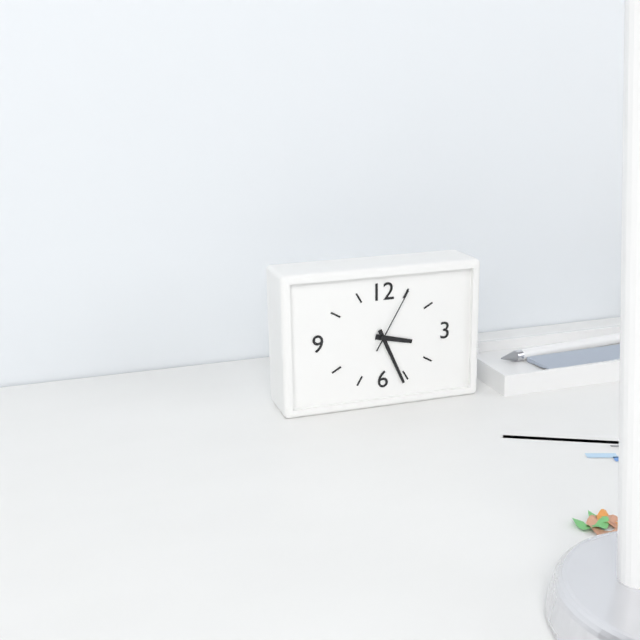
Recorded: 3 h 26 min 05 s
